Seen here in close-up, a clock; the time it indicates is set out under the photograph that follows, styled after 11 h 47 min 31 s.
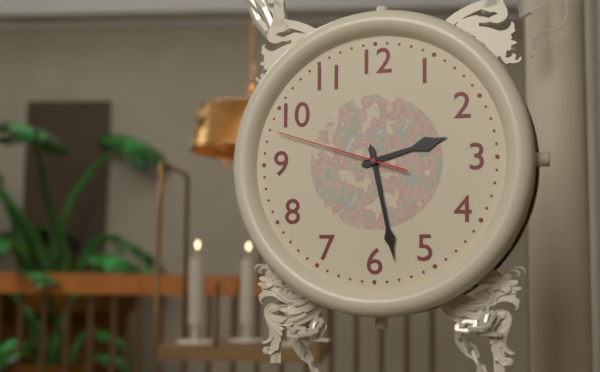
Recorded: 2 h 28 min 48 s
